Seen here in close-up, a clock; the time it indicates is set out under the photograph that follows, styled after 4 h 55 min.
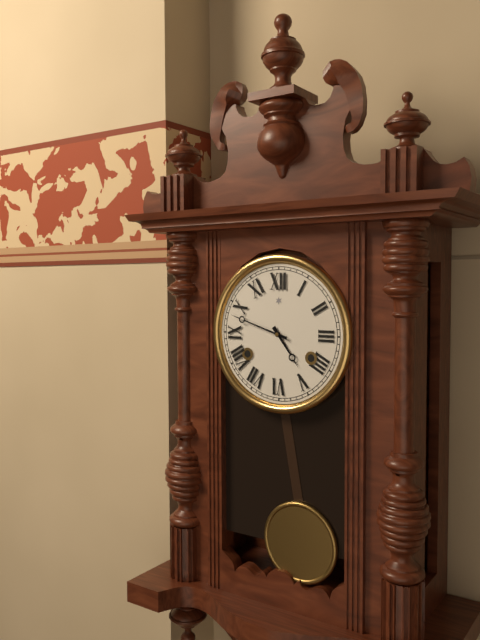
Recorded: 4 h 48 min
